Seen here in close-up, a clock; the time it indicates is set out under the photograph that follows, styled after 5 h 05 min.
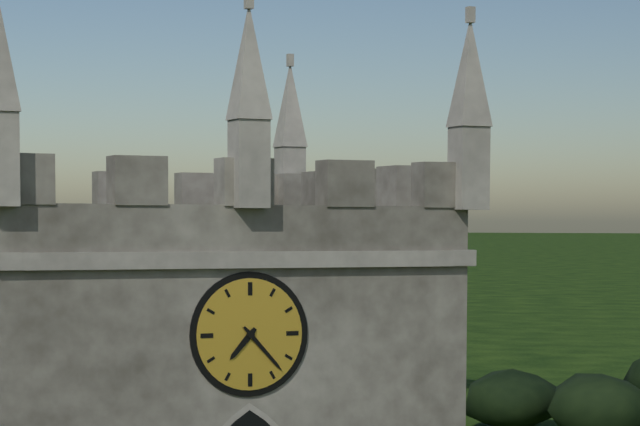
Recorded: 7 h 23 min
